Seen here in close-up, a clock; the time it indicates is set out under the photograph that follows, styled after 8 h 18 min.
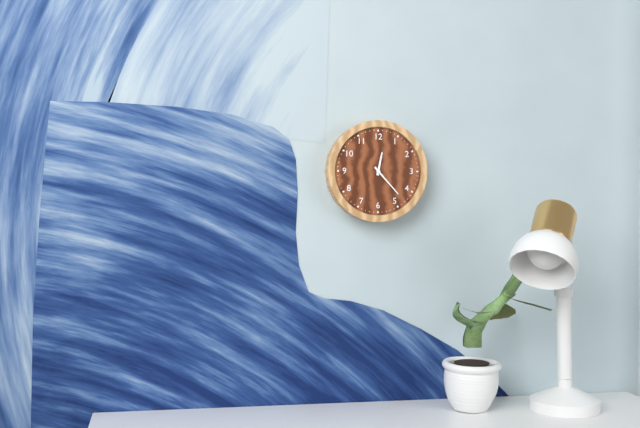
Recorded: 12 h 23 min
